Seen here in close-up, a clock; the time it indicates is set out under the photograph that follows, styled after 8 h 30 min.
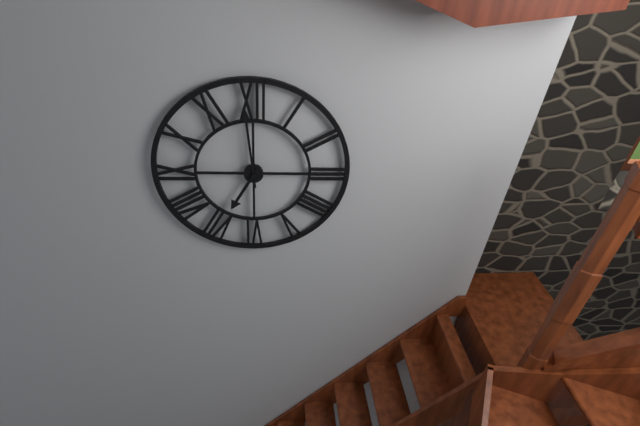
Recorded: 6 h 59 min
